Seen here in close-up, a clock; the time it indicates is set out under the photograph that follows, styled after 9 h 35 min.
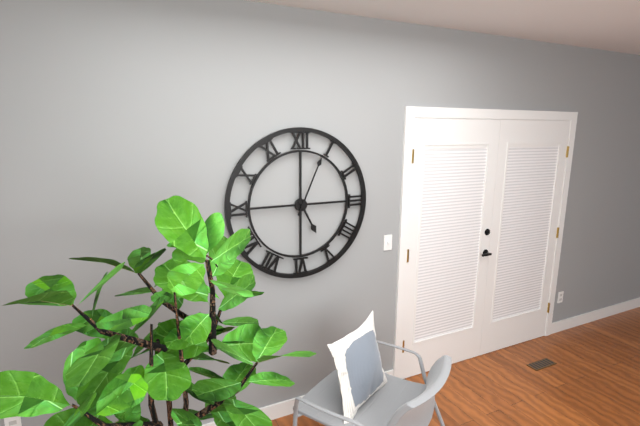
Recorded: 5 h 04 min
